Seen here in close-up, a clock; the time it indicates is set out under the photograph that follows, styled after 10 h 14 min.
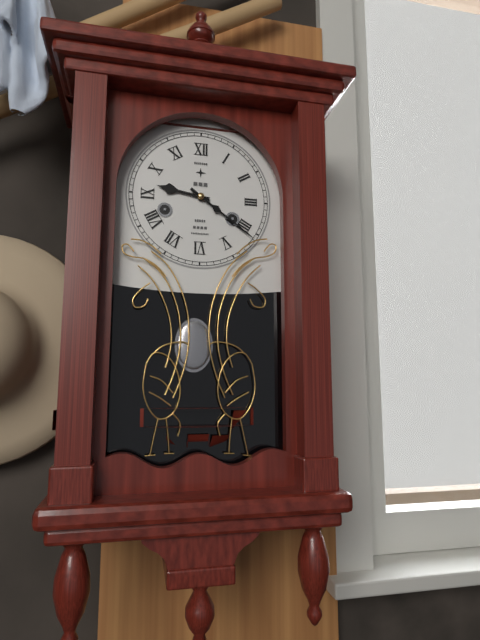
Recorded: 9 h 21 min
